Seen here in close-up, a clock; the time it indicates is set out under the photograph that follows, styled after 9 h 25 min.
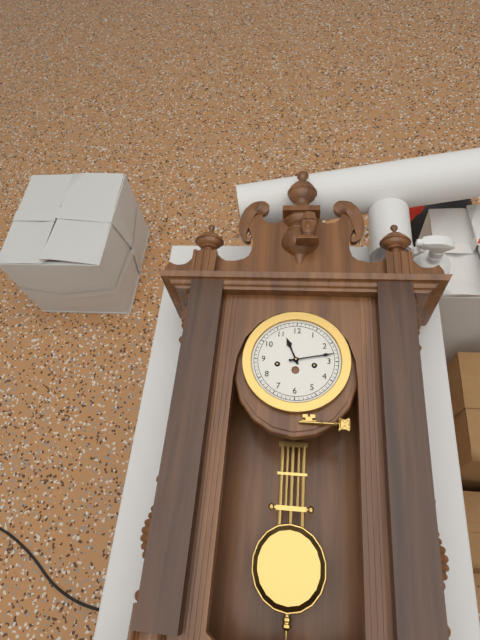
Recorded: 11 h 13 min
